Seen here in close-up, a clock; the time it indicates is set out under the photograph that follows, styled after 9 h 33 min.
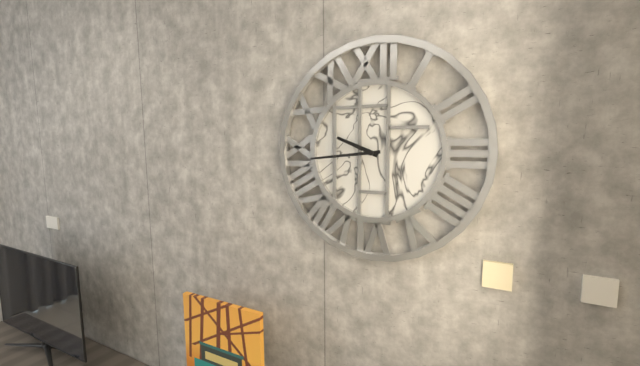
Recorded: 9 h 44 min
